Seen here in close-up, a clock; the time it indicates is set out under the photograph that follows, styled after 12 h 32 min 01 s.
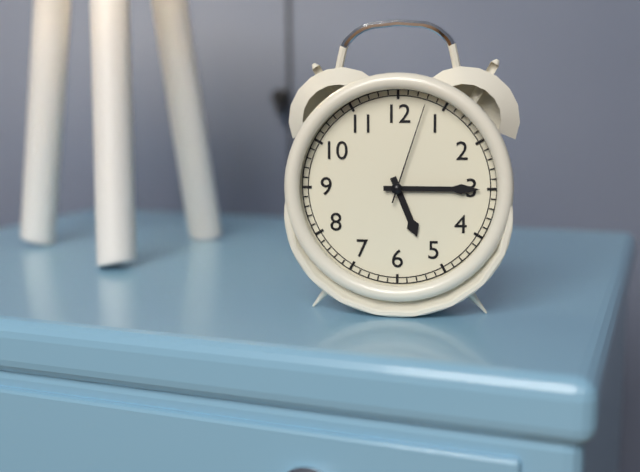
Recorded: 5 h 15 min 03 s
